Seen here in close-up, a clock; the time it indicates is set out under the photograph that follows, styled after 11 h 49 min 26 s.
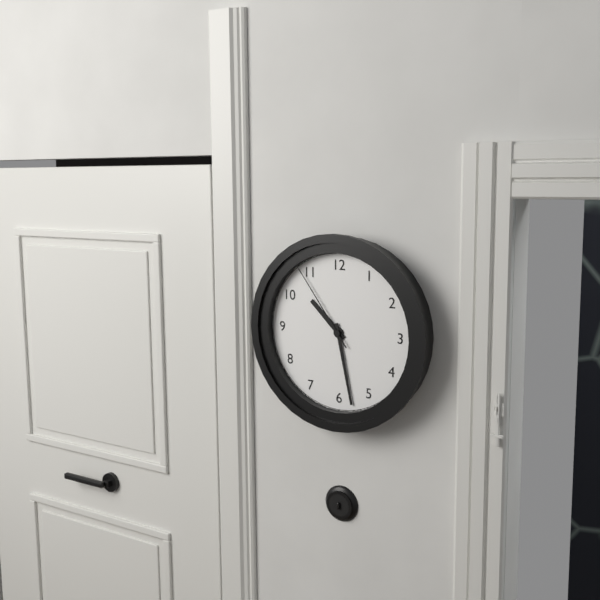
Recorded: 10 h 28 min 54 s
